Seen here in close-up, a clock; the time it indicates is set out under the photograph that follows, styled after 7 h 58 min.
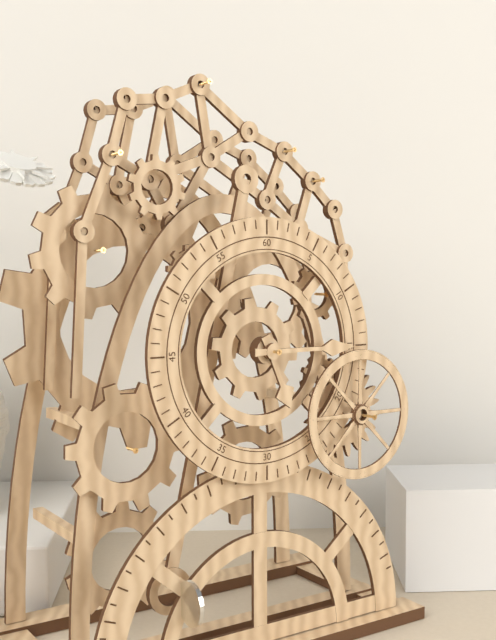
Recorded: 5 h 15 min
